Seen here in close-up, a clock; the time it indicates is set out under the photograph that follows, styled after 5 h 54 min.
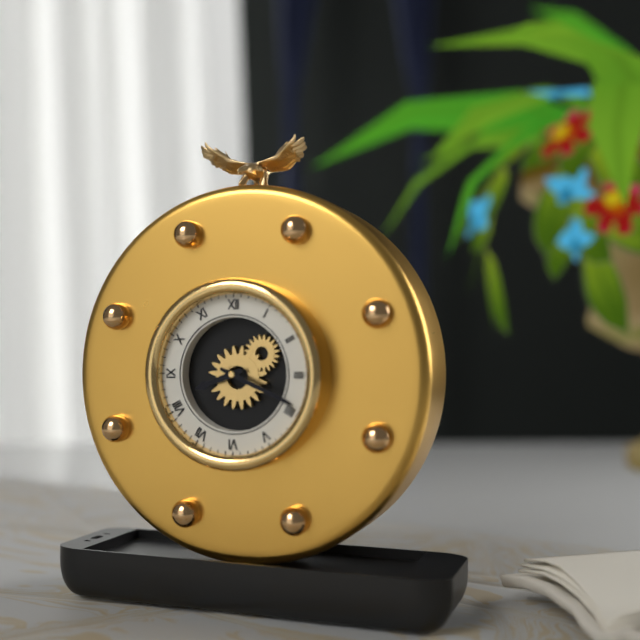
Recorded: 8 h 19 min
